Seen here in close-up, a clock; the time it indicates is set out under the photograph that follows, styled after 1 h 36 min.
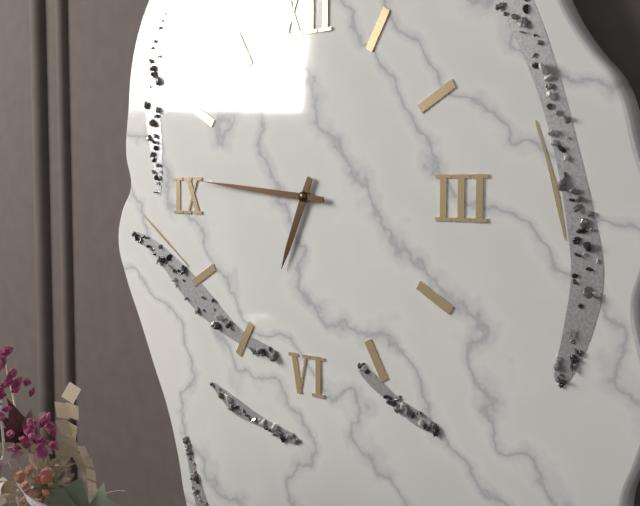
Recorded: 6 h 46 min
